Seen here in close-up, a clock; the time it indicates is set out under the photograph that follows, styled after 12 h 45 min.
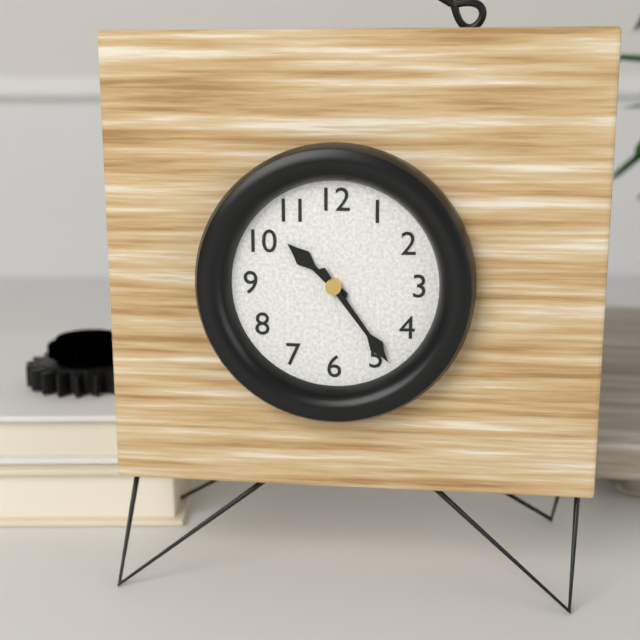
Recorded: 10 h 24 min
